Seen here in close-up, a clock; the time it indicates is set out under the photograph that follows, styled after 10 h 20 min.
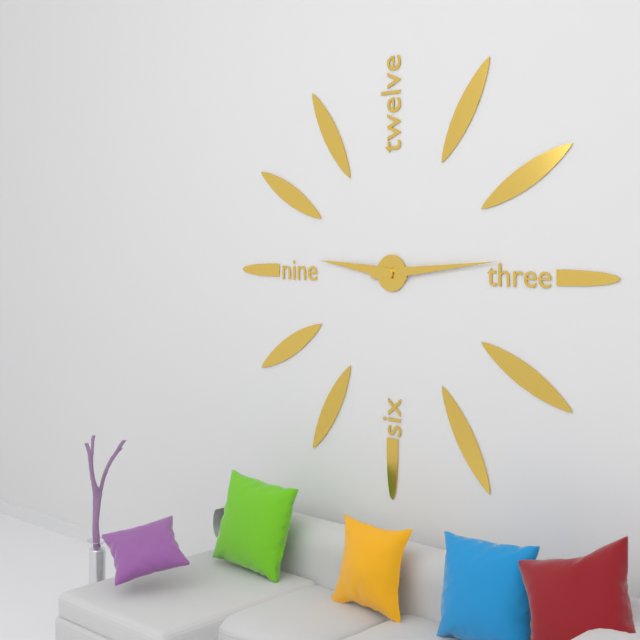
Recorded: 9 h 14 min
